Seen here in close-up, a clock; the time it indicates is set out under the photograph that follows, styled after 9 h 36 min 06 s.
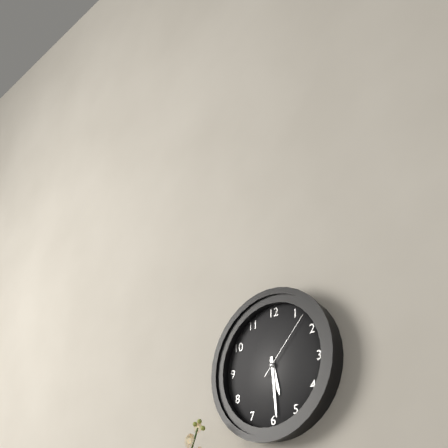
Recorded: 5 h 29 min 07 s
